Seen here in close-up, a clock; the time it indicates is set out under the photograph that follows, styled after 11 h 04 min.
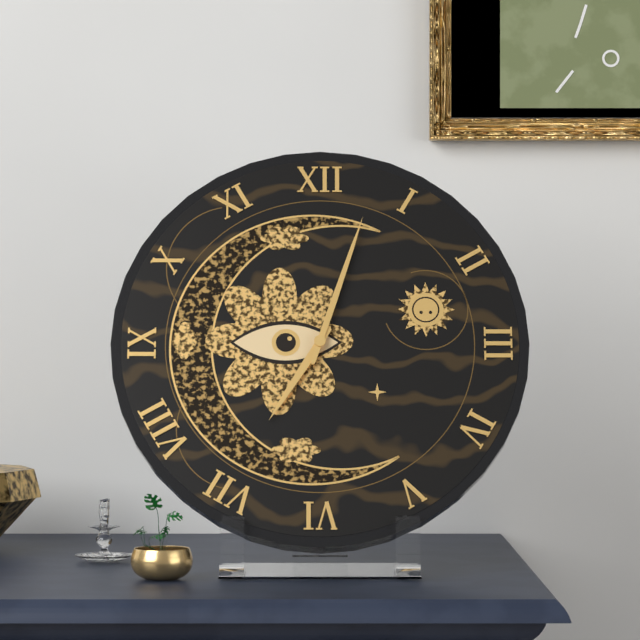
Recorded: 7 h 03 min
